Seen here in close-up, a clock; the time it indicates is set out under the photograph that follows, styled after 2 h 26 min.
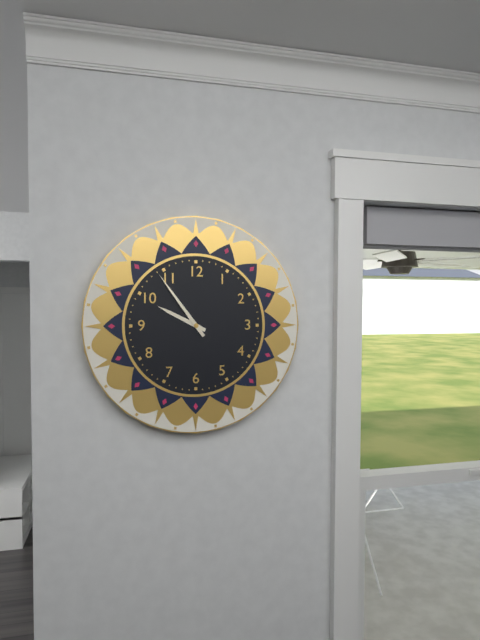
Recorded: 9 h 54 min
